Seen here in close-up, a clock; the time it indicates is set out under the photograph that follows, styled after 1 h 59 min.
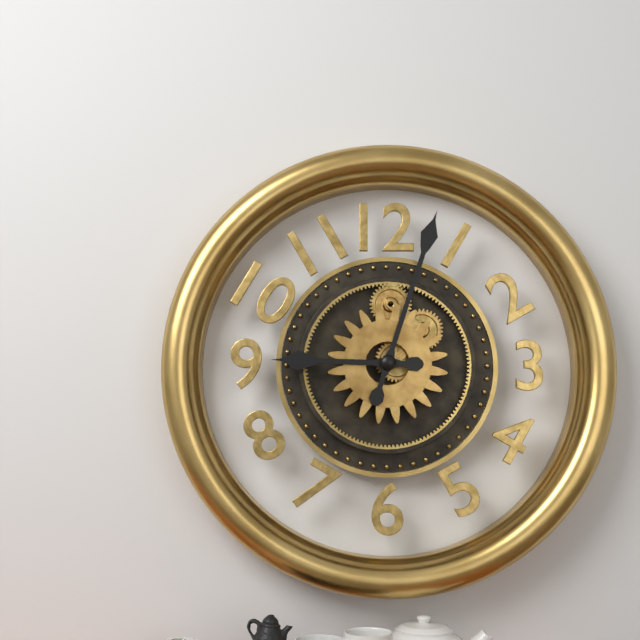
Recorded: 9 h 03 min
